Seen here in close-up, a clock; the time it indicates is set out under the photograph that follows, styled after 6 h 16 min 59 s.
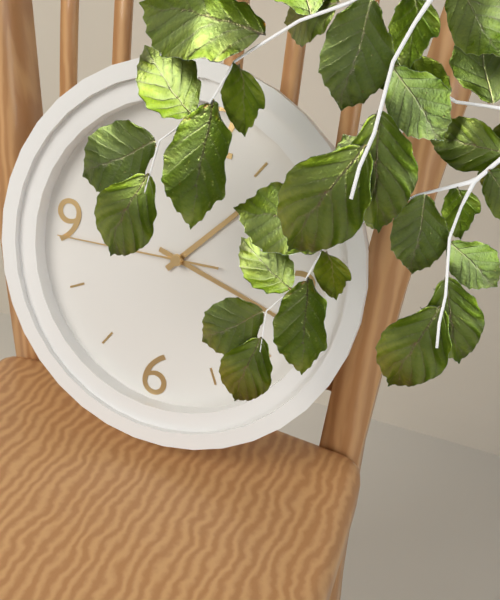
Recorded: 1 h 17 min 44 s
